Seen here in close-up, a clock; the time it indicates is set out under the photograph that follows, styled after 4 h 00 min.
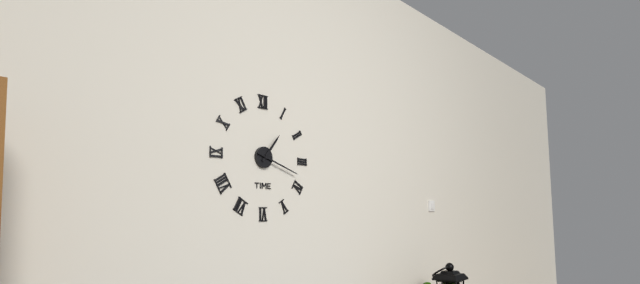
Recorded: 1 h 18 min
